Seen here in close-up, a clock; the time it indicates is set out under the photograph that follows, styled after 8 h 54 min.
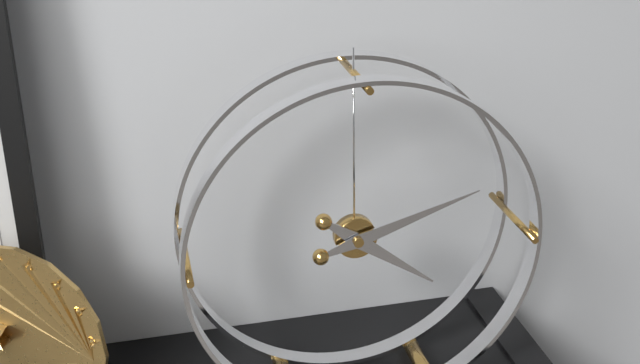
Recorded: 4 h 12 min
